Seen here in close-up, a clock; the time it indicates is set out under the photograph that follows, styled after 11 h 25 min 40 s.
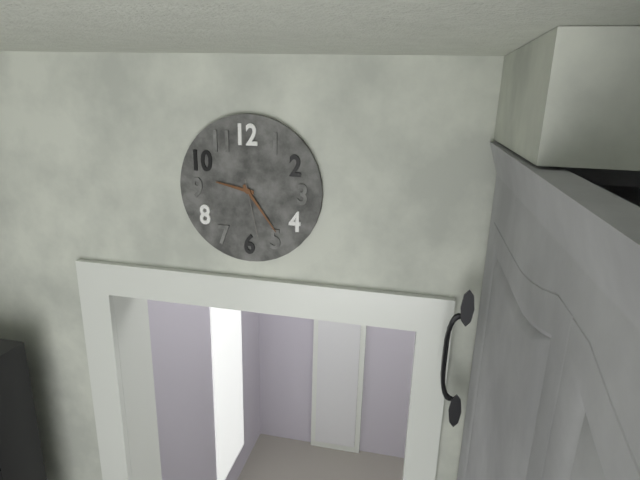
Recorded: 9 h 24 min 28 s
